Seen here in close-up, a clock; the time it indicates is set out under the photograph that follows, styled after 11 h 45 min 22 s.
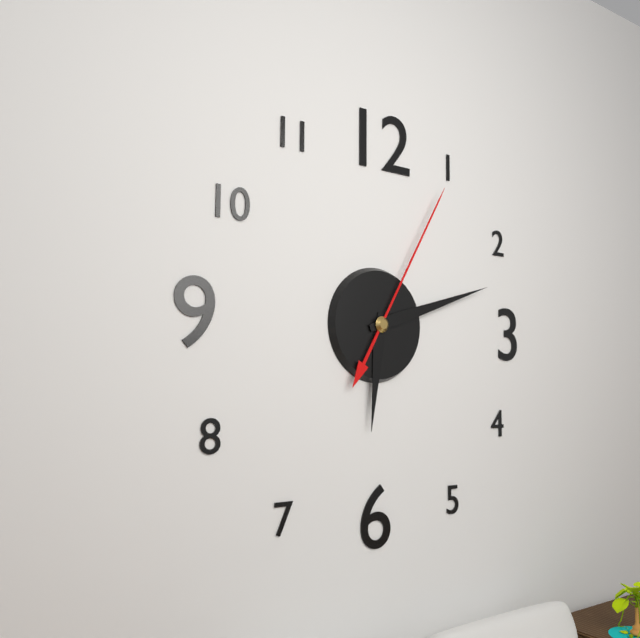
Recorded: 6 h 12 min 05 s
